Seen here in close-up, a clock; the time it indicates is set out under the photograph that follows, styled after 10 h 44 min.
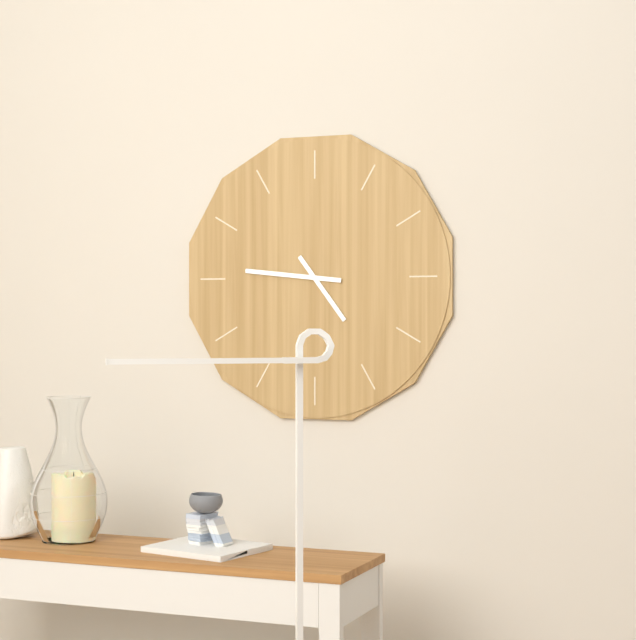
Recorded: 4 h 46 min
